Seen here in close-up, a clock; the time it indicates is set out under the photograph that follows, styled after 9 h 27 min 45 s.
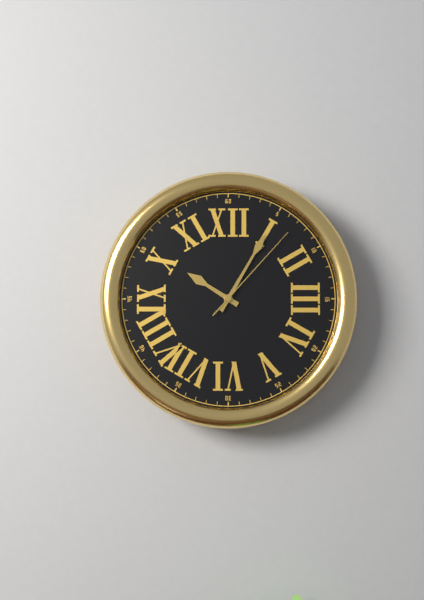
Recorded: 10 h 05 min 07 s
